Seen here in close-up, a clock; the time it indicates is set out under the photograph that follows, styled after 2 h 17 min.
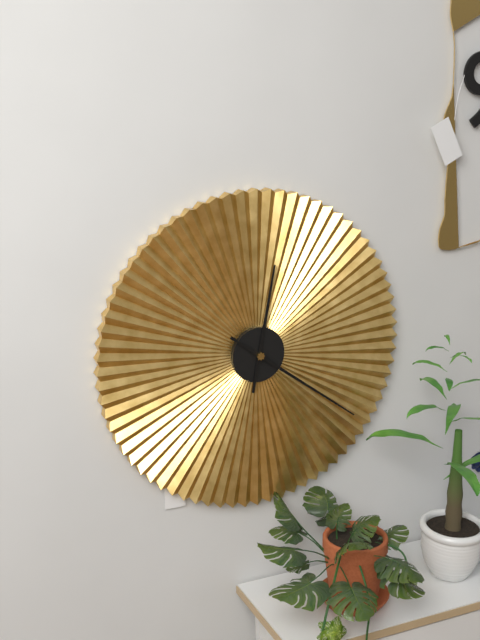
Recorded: 12 h 21 min
